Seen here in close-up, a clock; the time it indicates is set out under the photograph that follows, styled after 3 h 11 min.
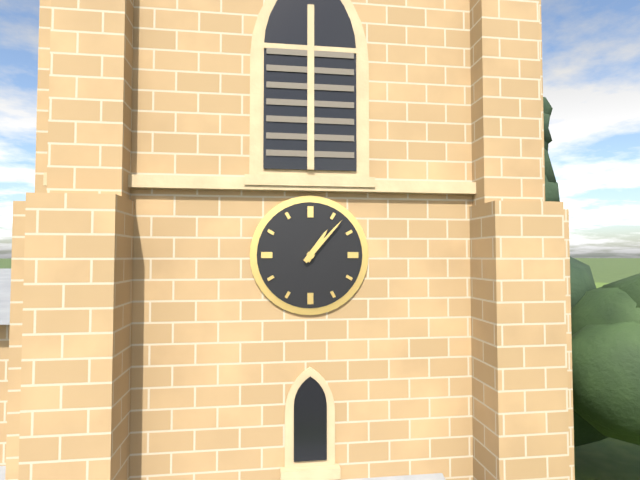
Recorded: 1 h 07 min
